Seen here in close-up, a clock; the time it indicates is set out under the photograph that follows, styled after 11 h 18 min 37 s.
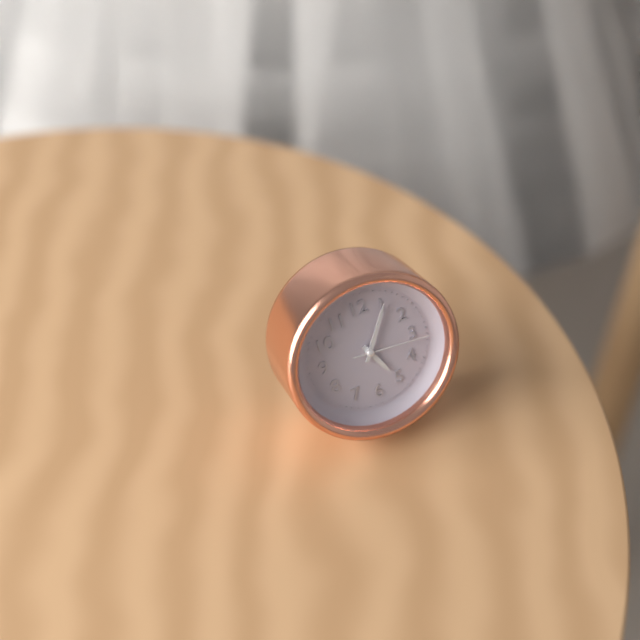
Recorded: 5 h 05 min 16 s
